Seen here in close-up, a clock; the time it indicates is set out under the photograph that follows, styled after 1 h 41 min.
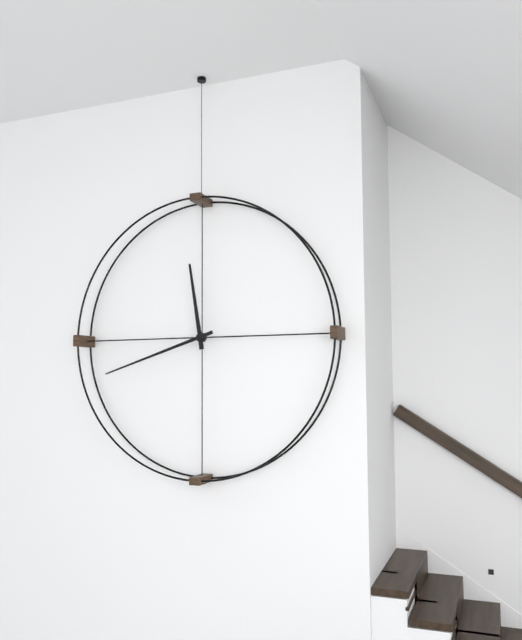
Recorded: 11 h 42 min
